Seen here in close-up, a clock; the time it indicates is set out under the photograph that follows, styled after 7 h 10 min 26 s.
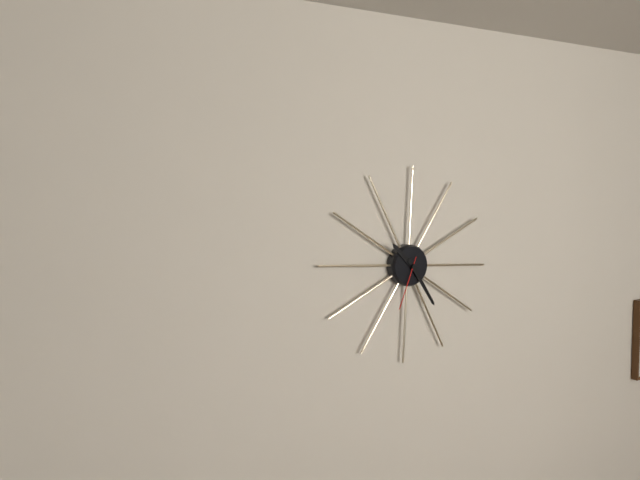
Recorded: 10 h 24 min 33 s
